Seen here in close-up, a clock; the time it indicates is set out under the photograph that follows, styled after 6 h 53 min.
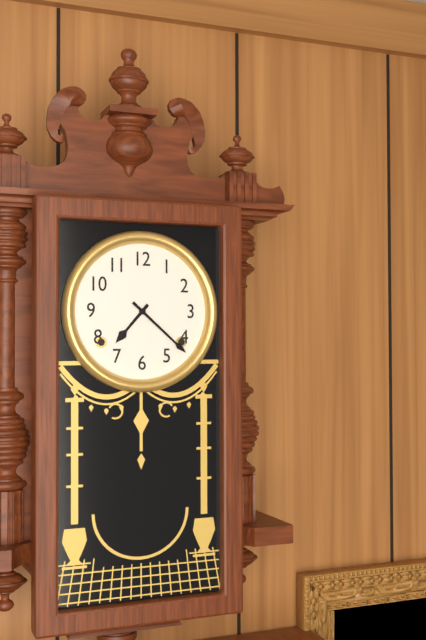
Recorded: 7 h 22 min
